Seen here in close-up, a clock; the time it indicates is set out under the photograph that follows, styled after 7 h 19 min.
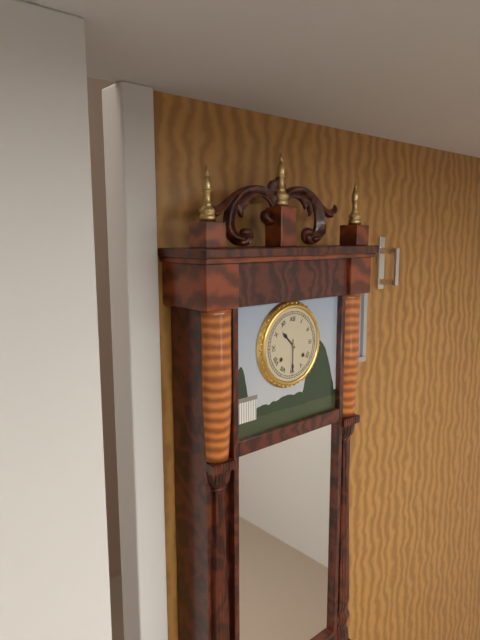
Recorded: 10 h 30 min
